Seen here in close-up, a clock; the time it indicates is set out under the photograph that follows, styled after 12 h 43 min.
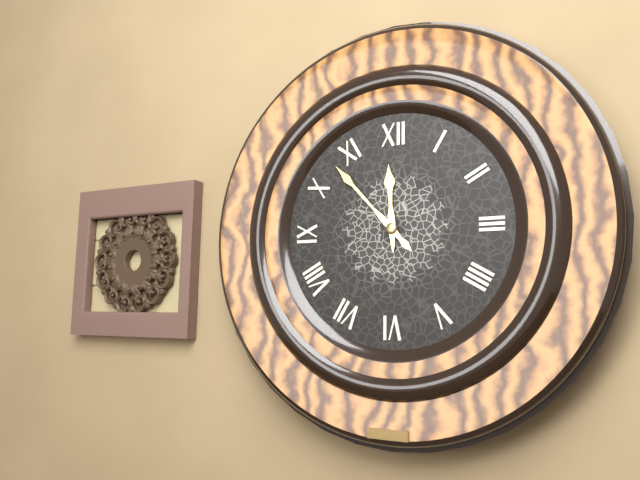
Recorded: 11 h 53 min
